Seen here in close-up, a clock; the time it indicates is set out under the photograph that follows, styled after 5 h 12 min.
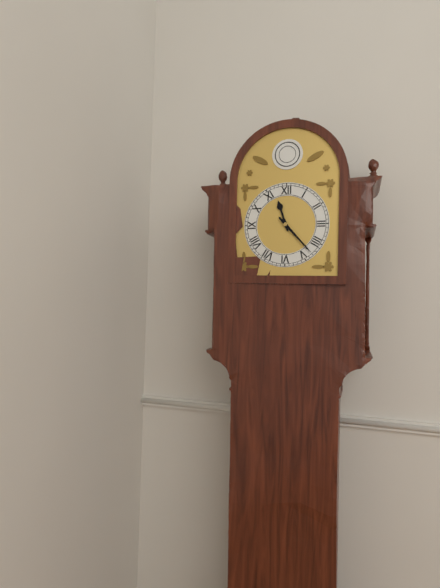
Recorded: 11 h 23 min
